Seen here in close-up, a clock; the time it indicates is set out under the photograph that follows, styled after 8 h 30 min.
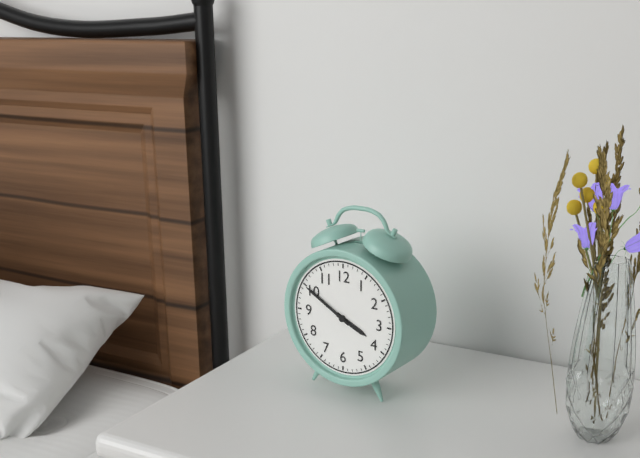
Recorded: 3 h 50 min
